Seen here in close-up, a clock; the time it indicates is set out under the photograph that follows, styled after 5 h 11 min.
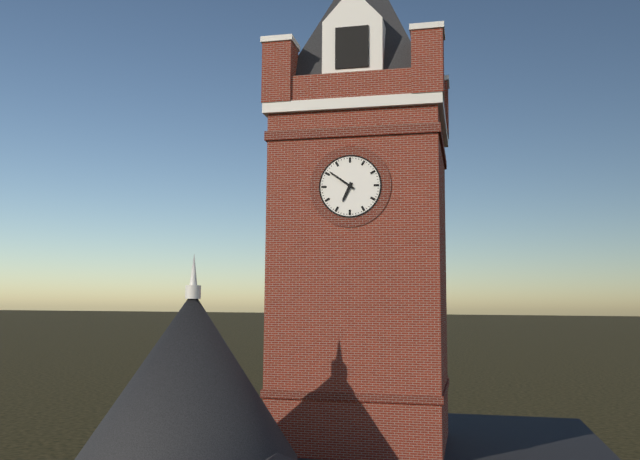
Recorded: 6 h 51 min
